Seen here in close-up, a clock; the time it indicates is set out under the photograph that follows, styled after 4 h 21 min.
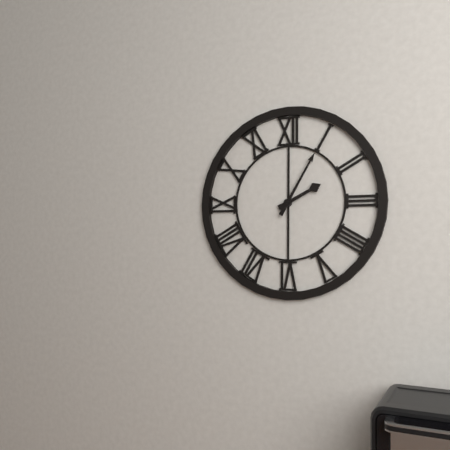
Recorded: 2 h 05 min
